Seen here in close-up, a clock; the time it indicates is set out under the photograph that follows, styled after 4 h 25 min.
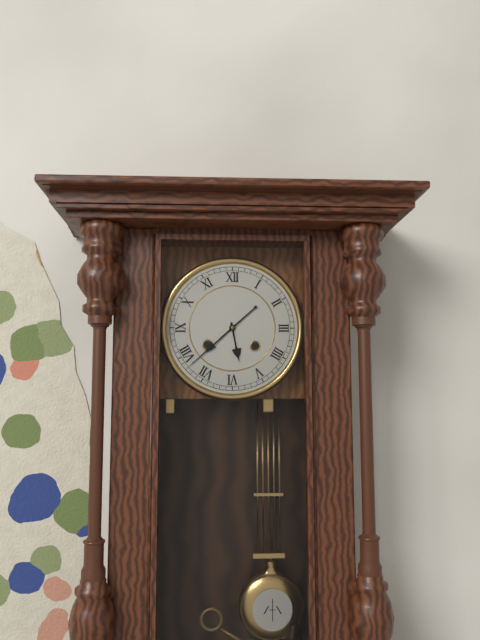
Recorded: 5 h 38 min
